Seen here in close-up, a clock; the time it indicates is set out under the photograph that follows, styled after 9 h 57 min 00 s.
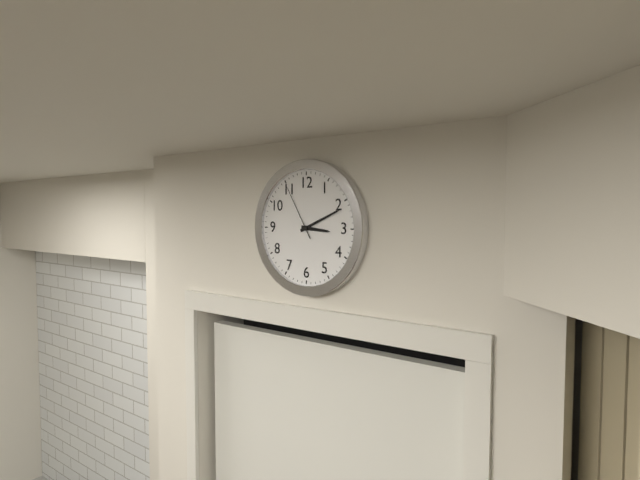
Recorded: 3 h 11 min 55 s
